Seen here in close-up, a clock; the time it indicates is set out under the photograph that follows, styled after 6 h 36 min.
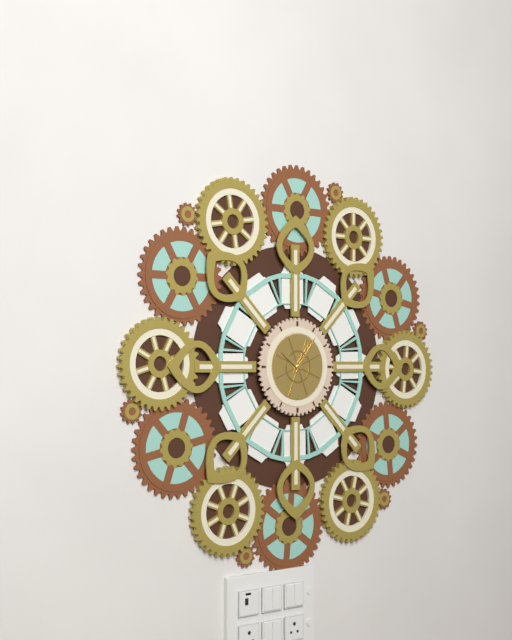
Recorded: 10 h 06 min
